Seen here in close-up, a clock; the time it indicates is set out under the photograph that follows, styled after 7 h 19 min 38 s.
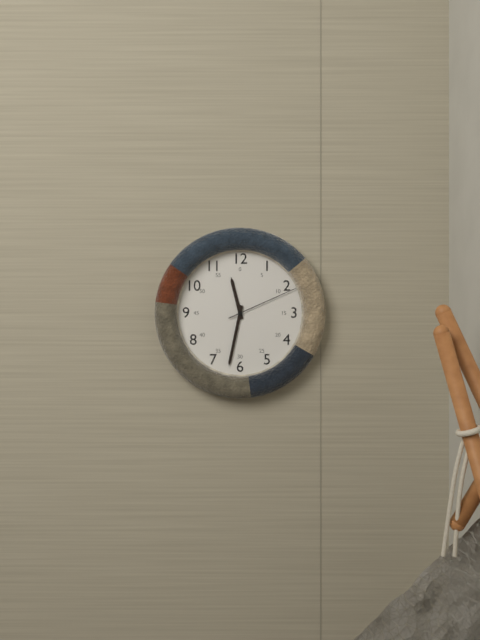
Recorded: 11 h 32 min 11 s
